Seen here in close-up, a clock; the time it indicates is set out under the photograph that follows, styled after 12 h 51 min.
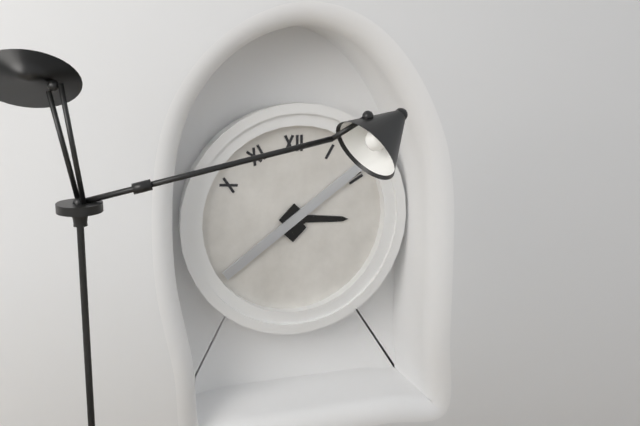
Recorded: 3 h 09 min
